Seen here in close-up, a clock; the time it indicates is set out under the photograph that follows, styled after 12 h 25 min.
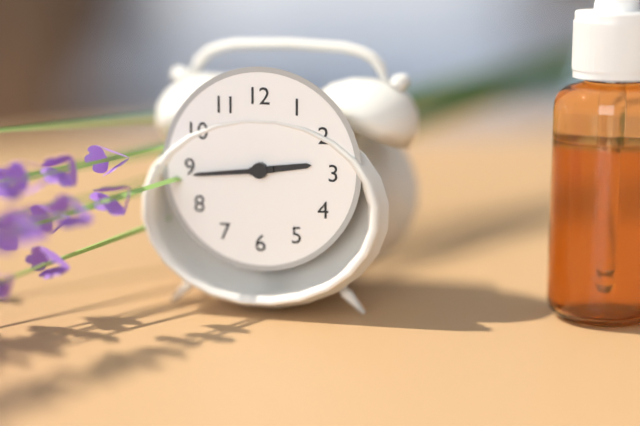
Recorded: 2 h 44 min
